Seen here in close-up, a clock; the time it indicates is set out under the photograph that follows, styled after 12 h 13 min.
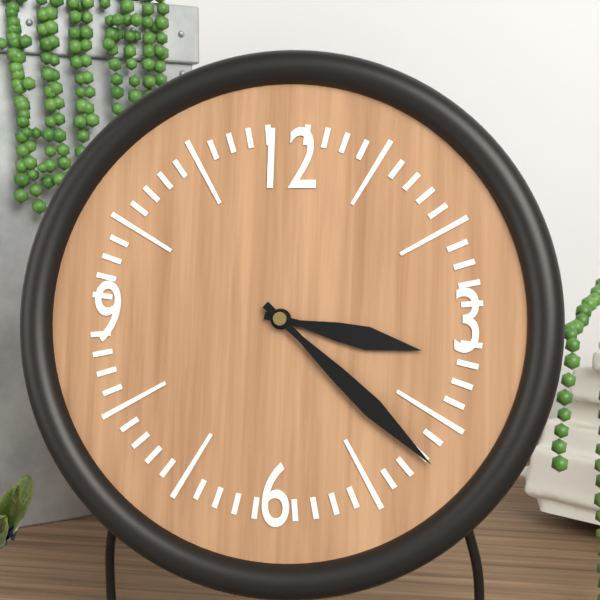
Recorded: 3 h 22 min
